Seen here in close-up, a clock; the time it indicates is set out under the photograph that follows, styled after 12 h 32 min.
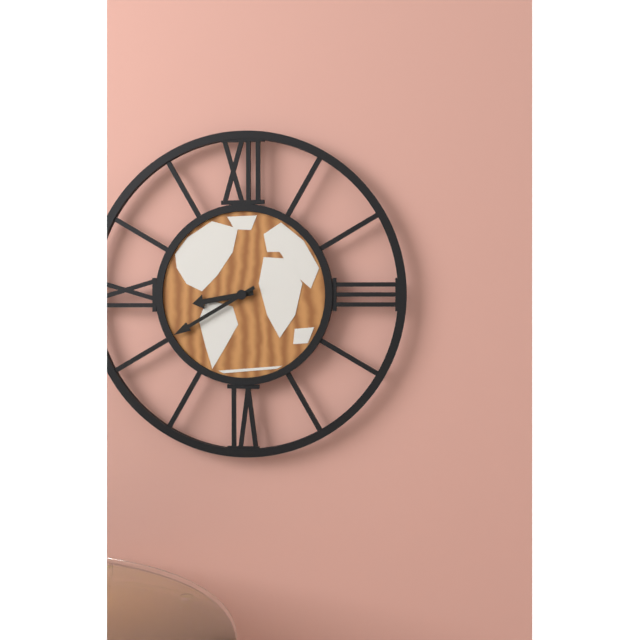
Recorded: 8 h 40 min
